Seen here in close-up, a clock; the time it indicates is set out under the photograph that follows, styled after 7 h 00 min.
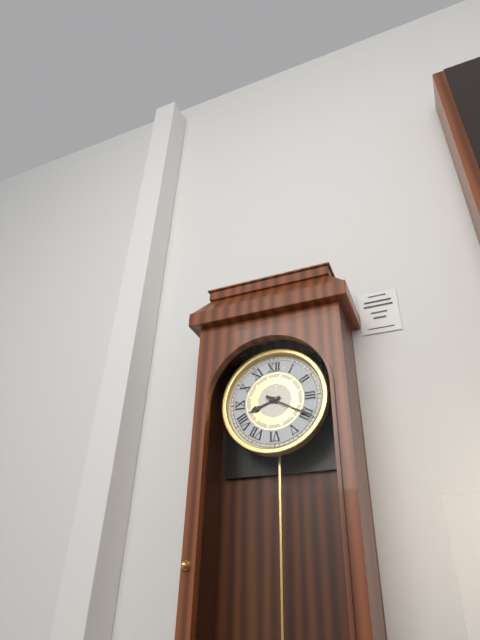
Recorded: 8 h 20 min
